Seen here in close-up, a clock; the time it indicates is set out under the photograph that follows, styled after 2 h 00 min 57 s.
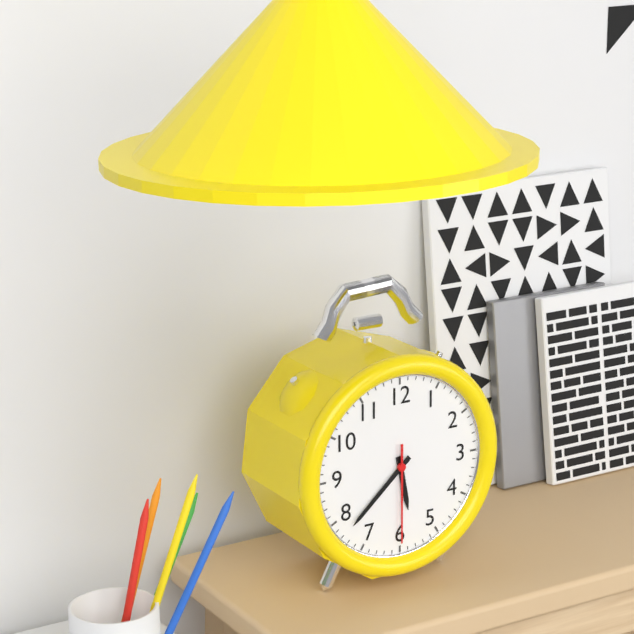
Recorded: 5 h 38 min 30 s
